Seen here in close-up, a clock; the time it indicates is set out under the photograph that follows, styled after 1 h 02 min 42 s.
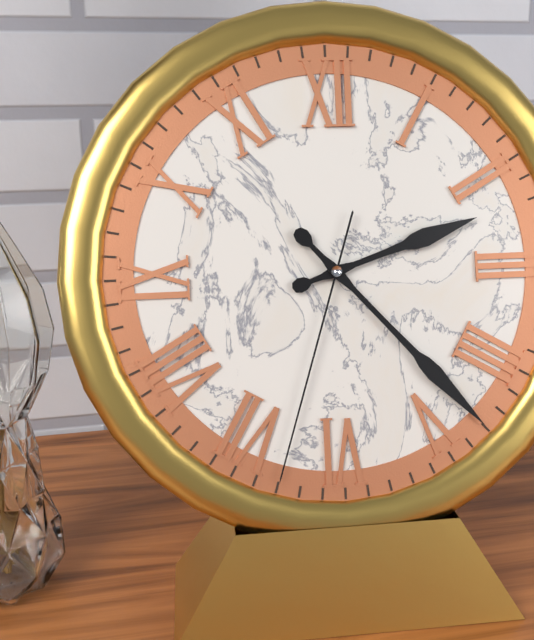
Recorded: 2 h 23 min 33 s
